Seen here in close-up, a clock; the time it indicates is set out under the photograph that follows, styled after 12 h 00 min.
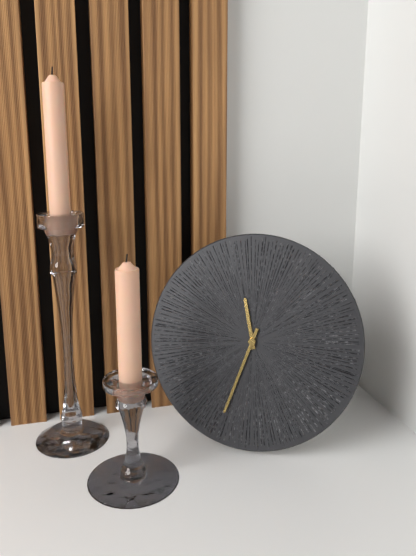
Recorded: 11 h 33 min
